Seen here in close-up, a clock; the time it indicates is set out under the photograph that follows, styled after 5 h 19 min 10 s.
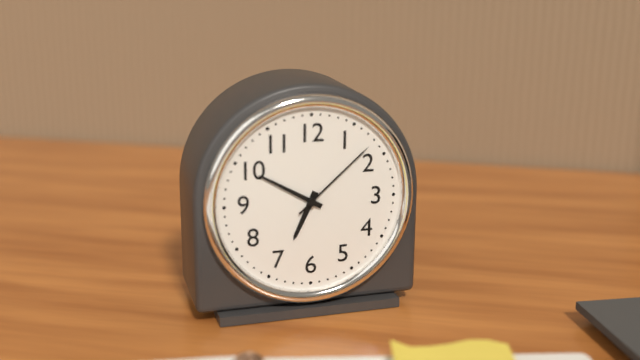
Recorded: 6 h 50 min 08 s
